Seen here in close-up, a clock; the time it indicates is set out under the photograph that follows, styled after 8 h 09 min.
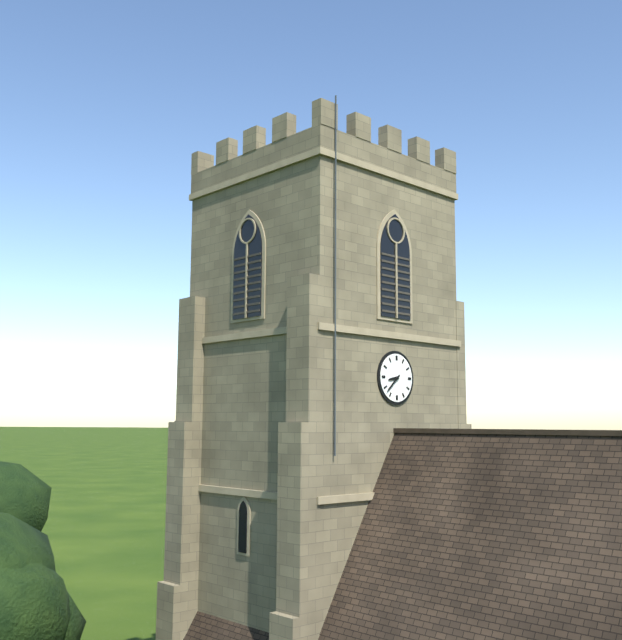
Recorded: 8 h 38 min
